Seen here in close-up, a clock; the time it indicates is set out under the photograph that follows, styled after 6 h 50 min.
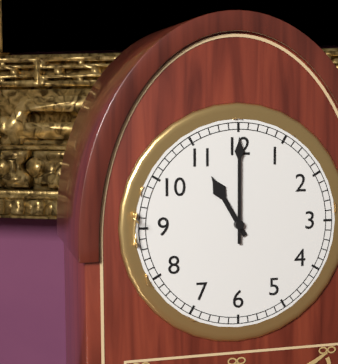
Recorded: 11 h 00 min
